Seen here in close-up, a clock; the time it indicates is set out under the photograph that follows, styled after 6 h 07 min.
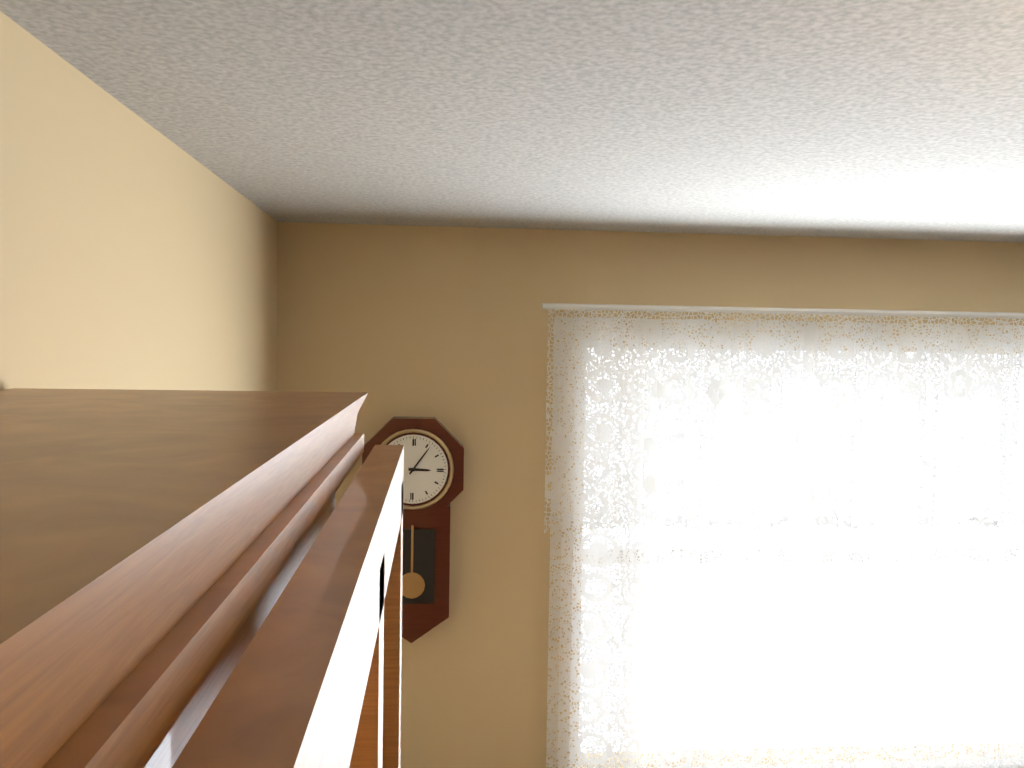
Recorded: 3 h 06 min
